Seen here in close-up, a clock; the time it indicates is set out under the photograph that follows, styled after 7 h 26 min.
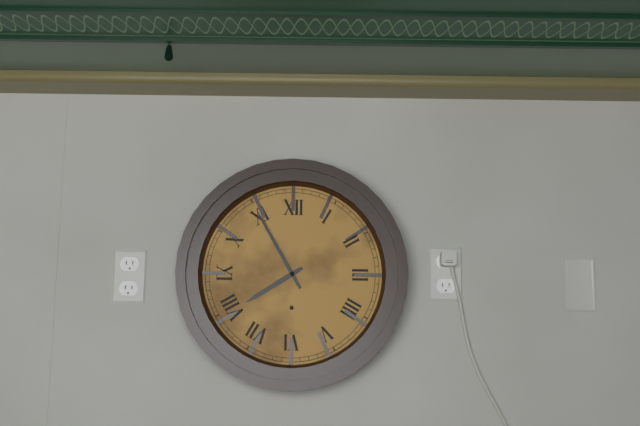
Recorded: 7 h 55 min
